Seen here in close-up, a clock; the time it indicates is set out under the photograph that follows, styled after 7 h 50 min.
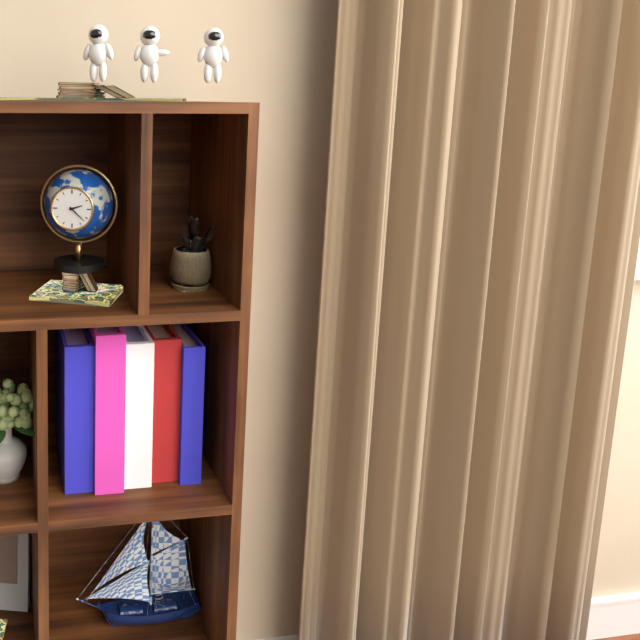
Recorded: 2 h 22 min
